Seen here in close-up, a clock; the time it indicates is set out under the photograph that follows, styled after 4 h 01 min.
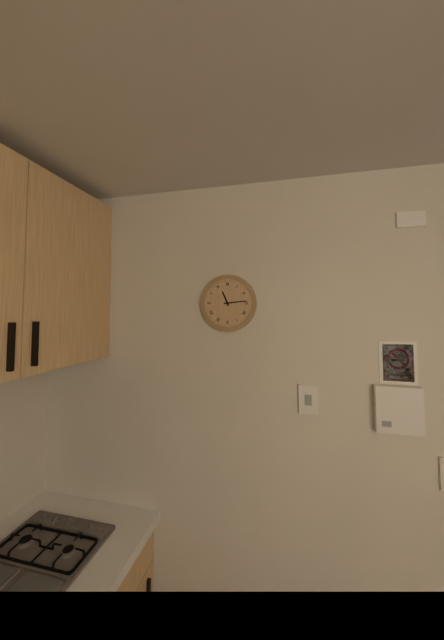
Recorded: 11 h 14 min
